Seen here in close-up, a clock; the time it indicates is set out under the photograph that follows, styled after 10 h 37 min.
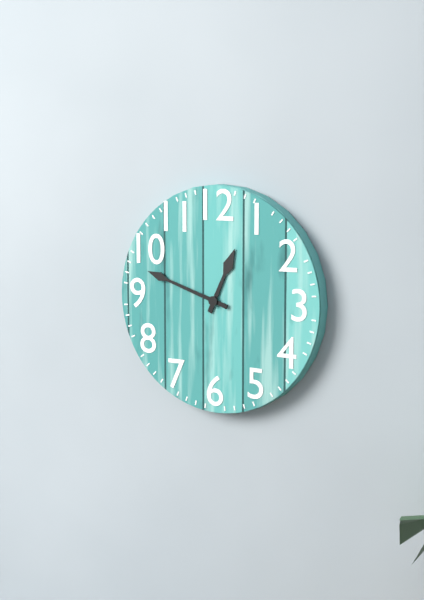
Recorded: 12 h 48 min
